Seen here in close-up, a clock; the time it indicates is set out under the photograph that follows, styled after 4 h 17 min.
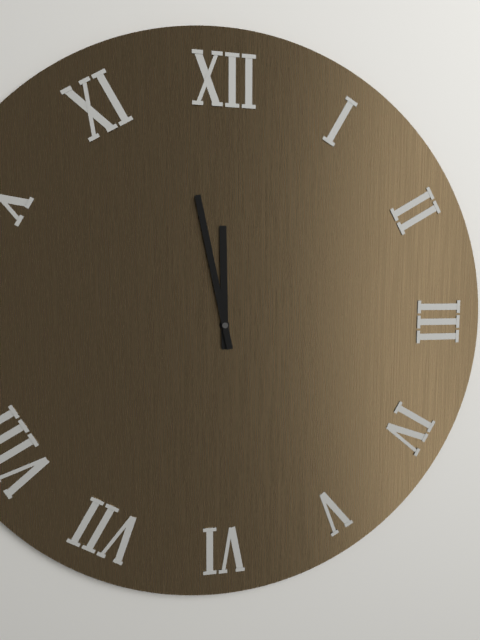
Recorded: 11 h 58 min
